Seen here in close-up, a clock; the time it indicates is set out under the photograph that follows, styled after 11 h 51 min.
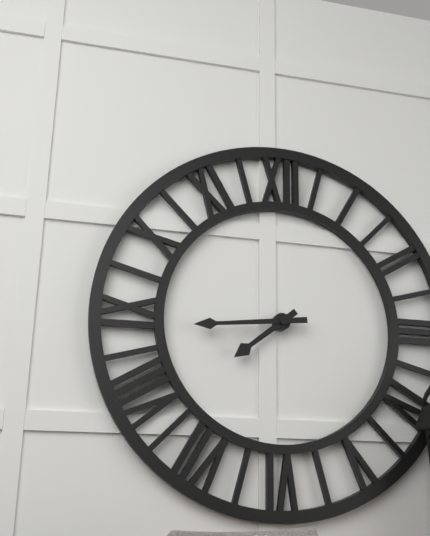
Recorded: 7 h 44 min
